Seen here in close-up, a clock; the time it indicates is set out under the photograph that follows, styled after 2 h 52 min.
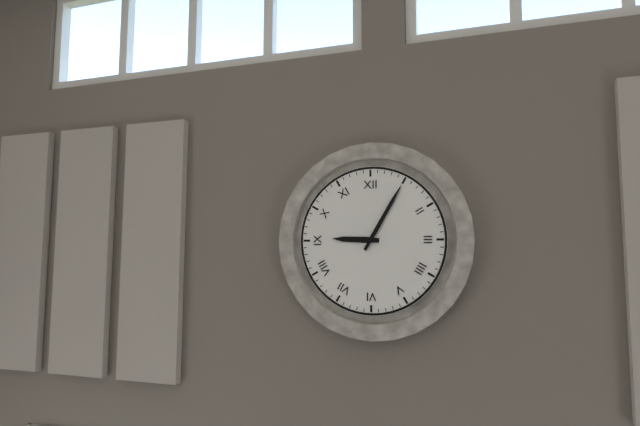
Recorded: 9 h 05 min
